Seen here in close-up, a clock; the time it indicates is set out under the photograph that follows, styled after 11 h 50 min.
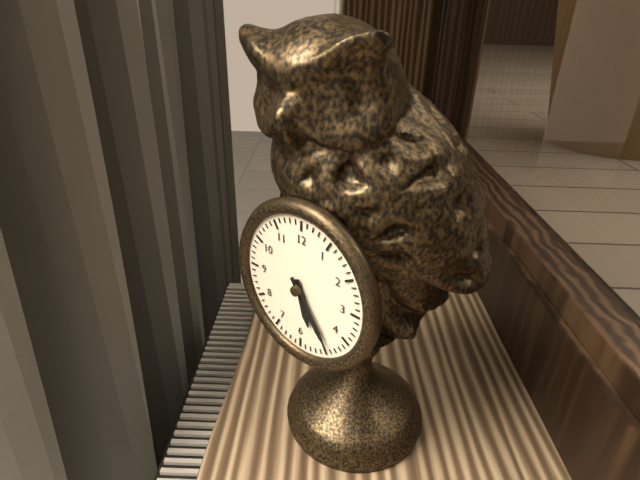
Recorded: 5 h 24 min
